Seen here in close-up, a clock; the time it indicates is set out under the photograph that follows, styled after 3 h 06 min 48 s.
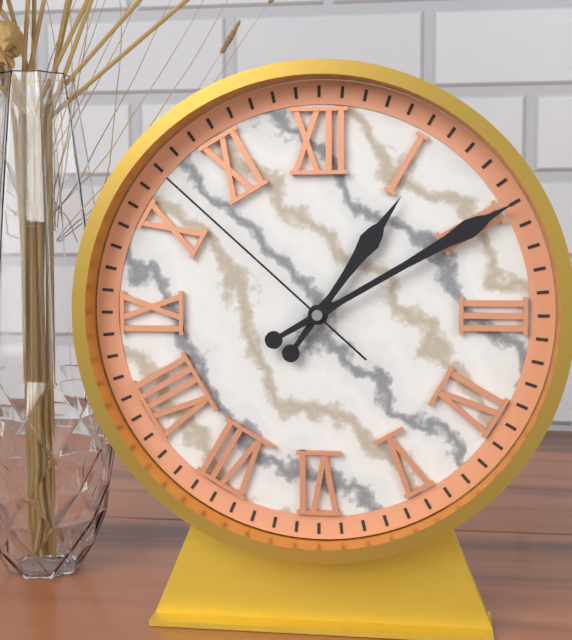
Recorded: 1 h 10 min 52 s
